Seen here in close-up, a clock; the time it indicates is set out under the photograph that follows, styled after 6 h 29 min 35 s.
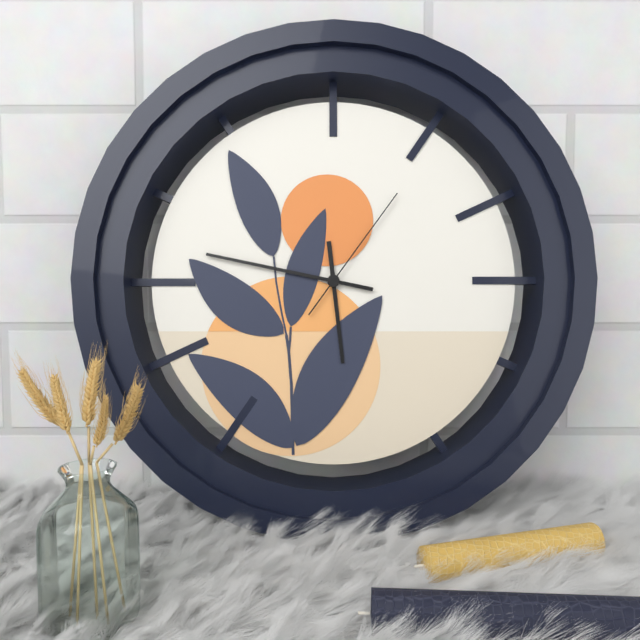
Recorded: 5 h 47 min 06 s
